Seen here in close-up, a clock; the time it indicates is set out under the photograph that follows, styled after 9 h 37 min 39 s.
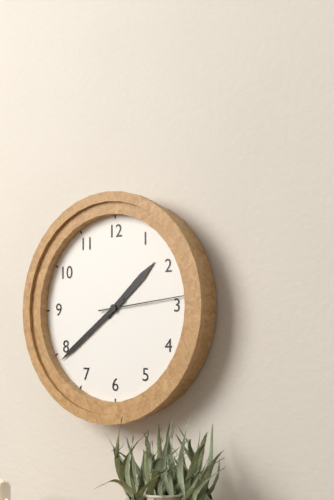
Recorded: 1 h 39 min 14 s
